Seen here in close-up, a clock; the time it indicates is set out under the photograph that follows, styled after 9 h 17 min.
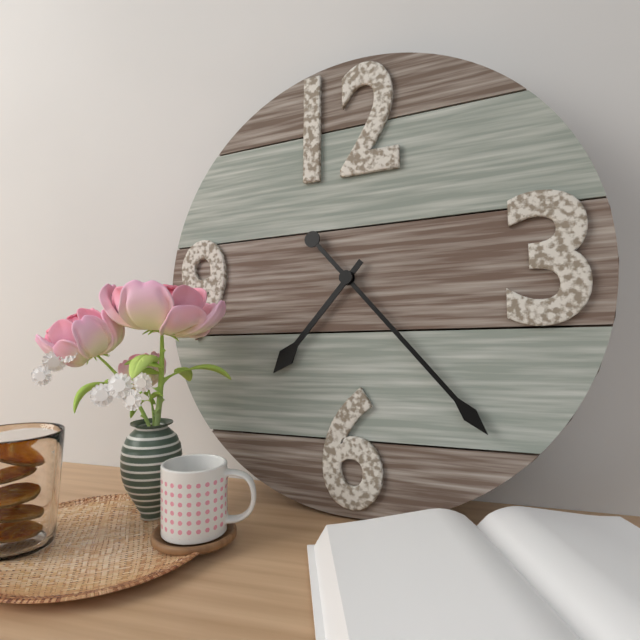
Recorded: 7 h 23 min
